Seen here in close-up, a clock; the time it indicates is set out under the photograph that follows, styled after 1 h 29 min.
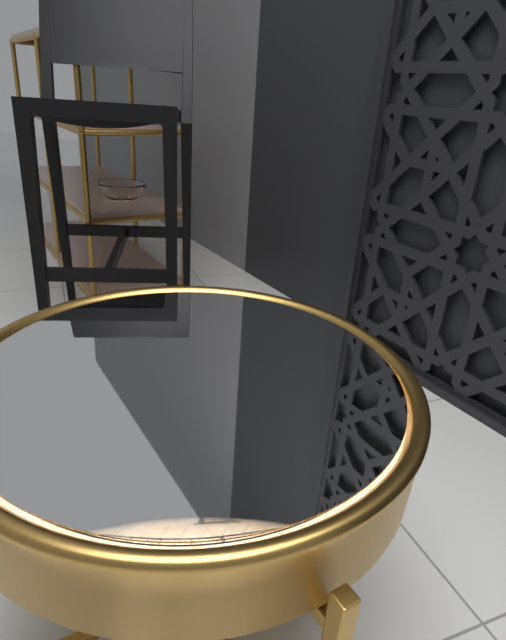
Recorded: 5 h 14 min
